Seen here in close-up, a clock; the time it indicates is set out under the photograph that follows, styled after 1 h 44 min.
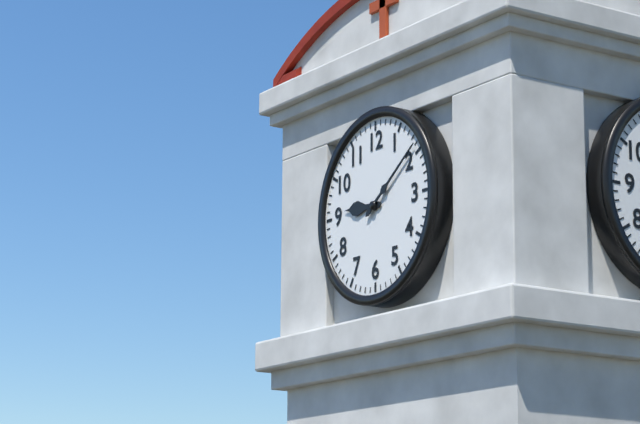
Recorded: 9 h 09 min
